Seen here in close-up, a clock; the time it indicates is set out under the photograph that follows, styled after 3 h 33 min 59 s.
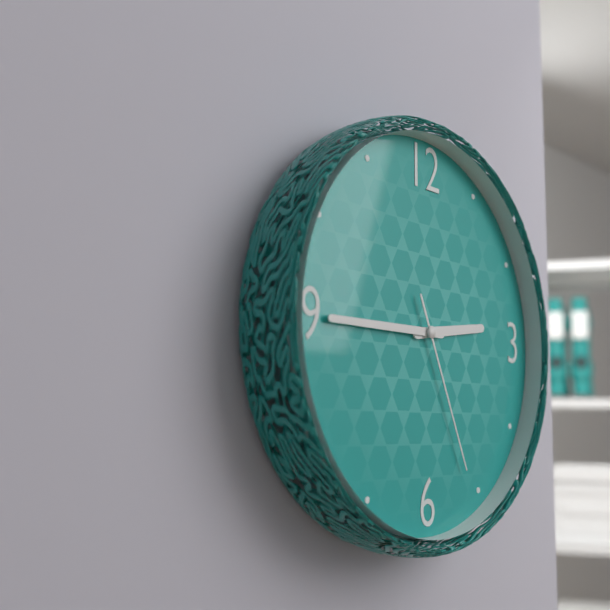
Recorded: 2 h 45 min 26 s
